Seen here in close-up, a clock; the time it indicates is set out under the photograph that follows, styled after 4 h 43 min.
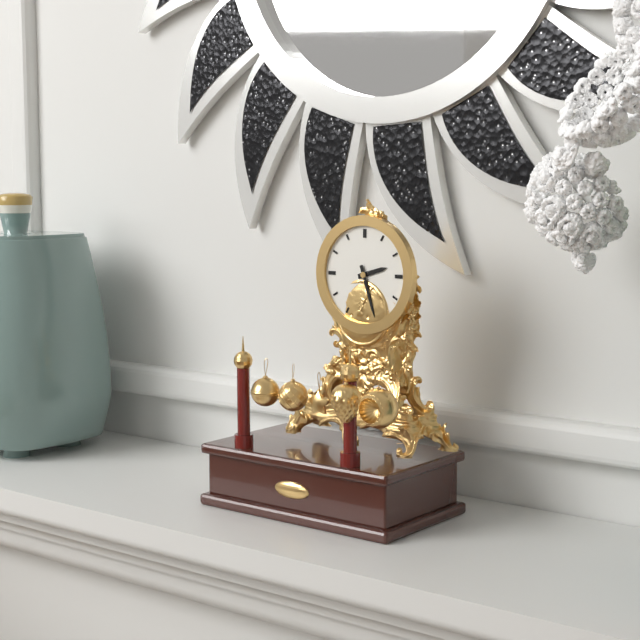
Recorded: 2 h 27 min
